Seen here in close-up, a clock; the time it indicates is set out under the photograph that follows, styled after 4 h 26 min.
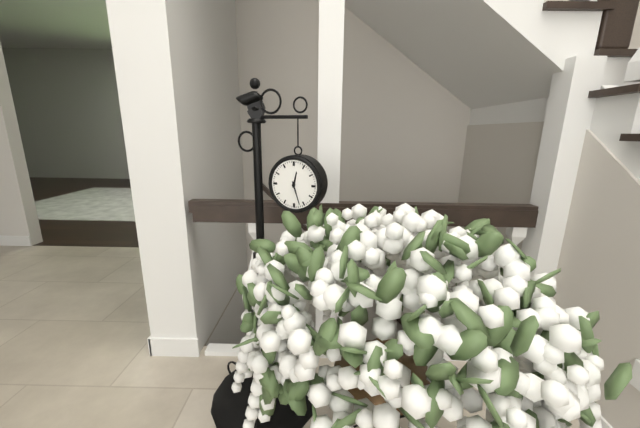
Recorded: 12 h 27 min
